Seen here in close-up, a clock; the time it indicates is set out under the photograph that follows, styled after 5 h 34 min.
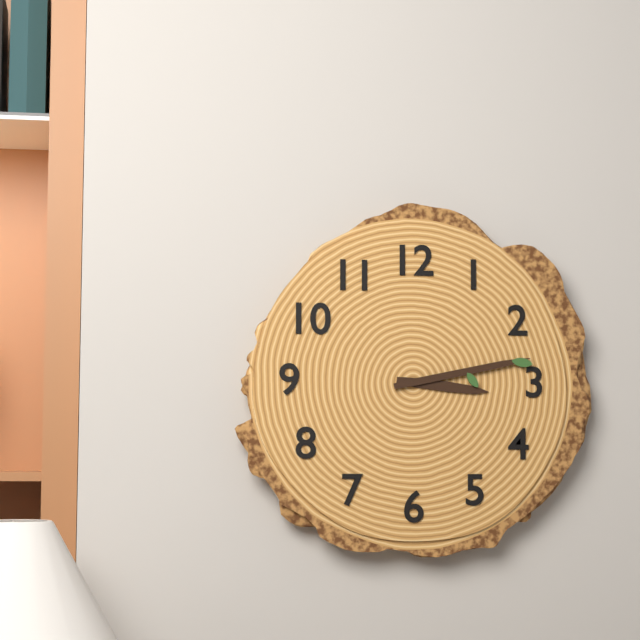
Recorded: 3 h 13 min
